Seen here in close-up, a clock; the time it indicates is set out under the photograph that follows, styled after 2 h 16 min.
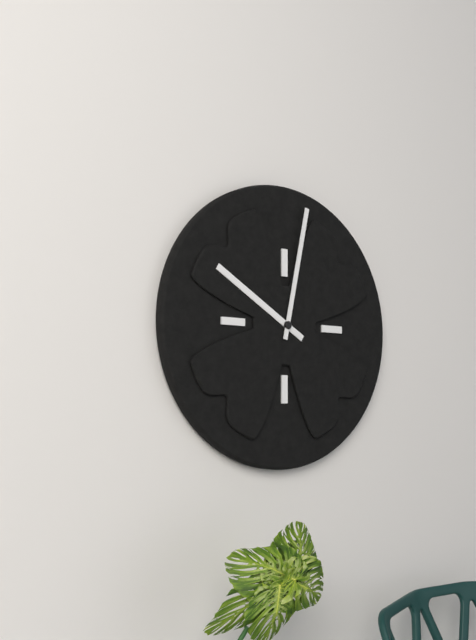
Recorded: 10 h 02 min
